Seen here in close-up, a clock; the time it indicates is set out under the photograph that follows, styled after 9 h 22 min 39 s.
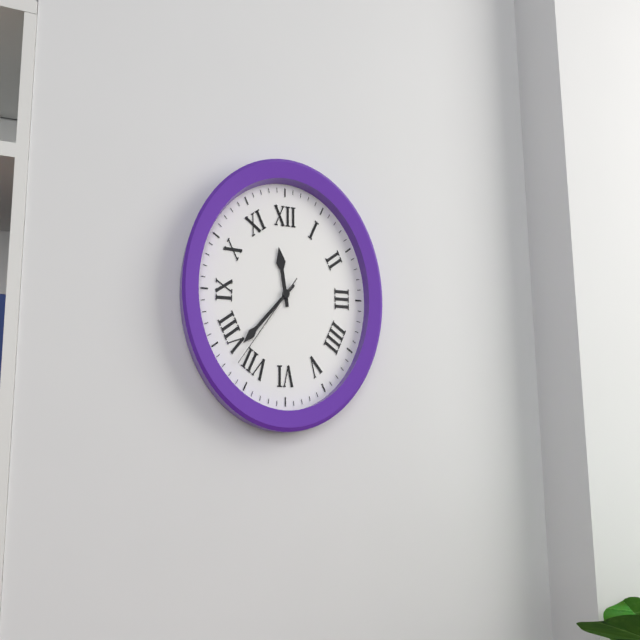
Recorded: 11 h 38 min 37 s
